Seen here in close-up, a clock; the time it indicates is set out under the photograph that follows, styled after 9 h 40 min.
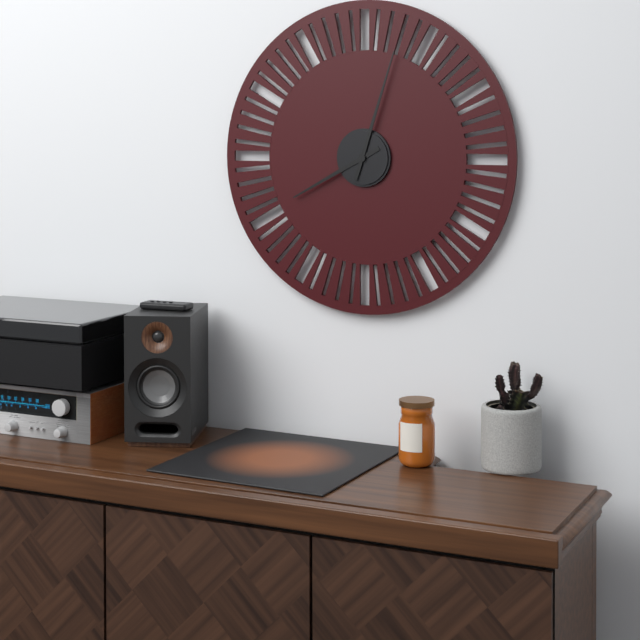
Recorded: 8 h 03 min
